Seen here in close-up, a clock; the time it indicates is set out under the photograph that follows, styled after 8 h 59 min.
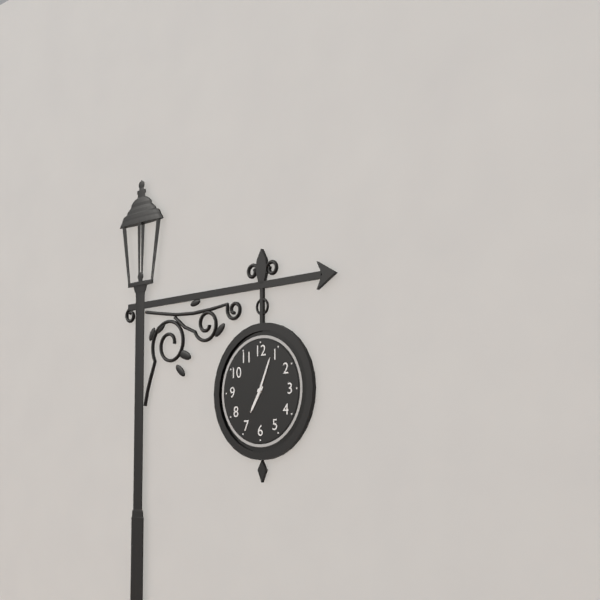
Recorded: 7 h 04 min
